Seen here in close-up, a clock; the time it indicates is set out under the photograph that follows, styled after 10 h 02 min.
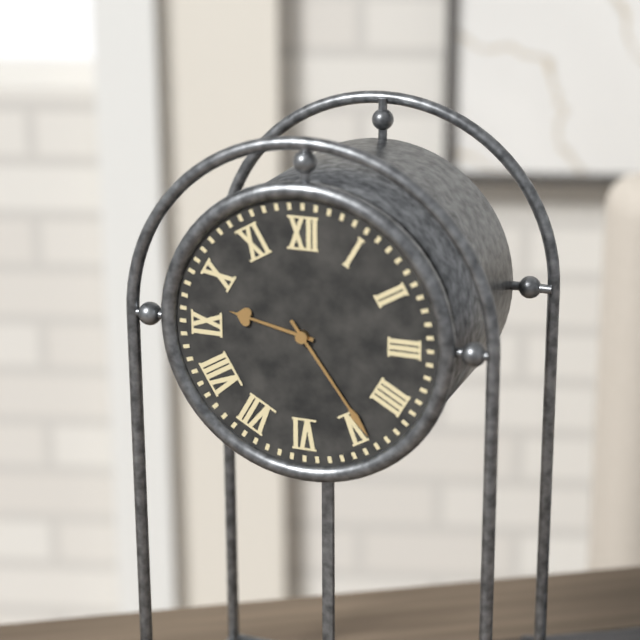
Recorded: 9 h 24 min
